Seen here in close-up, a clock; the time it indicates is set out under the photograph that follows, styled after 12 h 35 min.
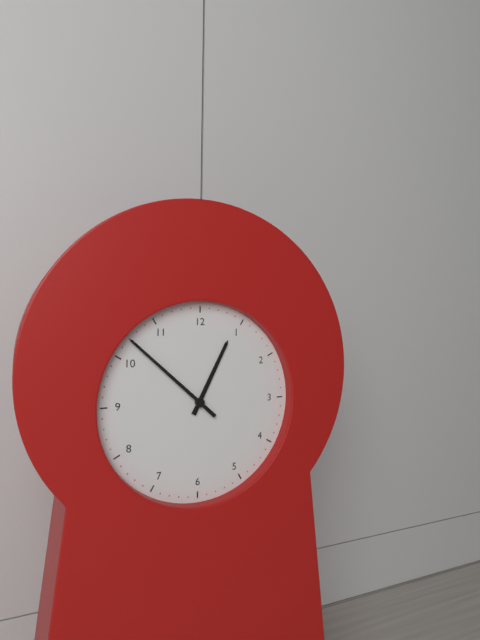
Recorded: 12 h 52 min
